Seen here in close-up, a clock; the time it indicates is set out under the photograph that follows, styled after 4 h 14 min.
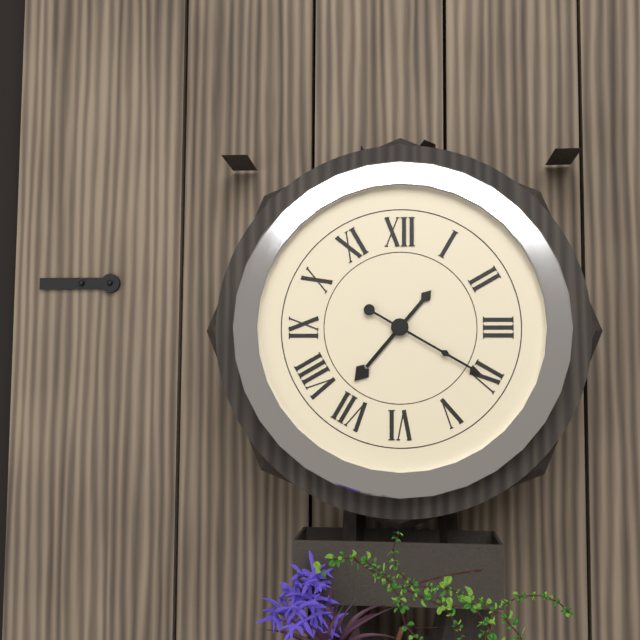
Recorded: 7 h 20 min
